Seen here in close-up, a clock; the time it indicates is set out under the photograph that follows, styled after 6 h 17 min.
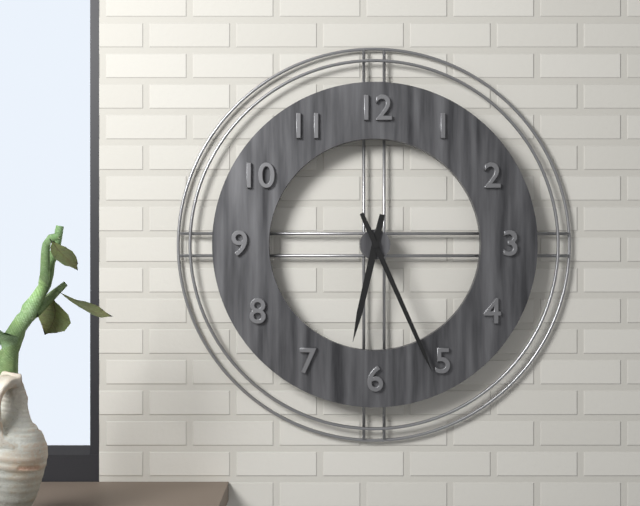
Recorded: 6 h 26 min
